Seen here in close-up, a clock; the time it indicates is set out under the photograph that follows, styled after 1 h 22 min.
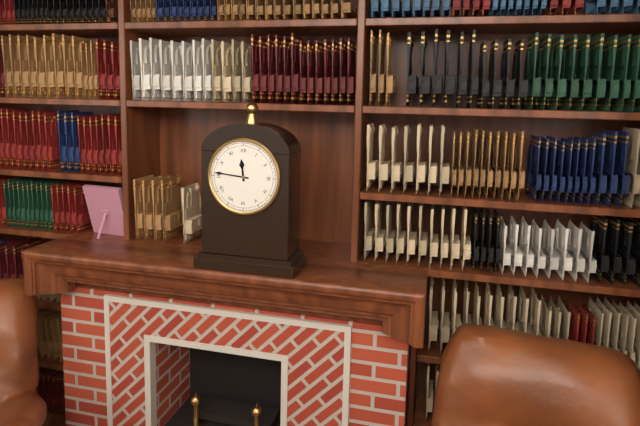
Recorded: 11 h 46 min
